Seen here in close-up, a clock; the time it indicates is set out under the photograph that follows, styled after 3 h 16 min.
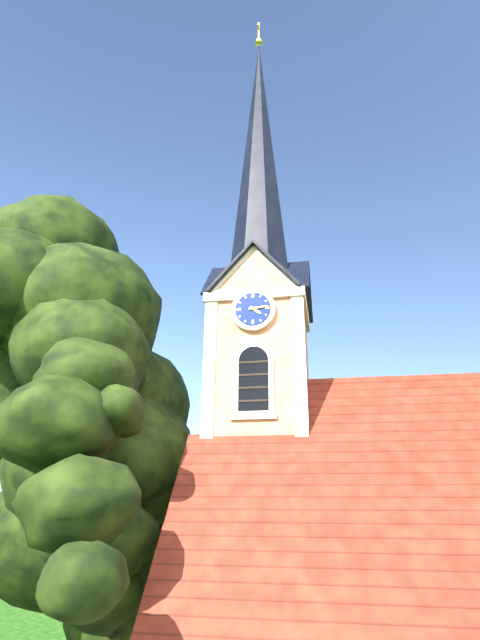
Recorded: 4 h 14 min
